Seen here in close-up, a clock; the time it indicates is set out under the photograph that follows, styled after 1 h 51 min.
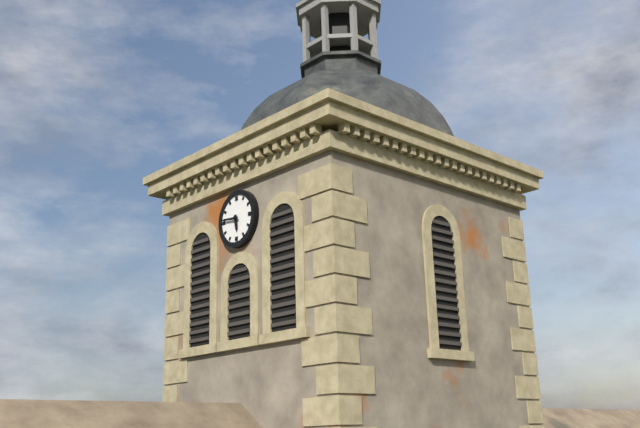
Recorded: 5 h 46 min
